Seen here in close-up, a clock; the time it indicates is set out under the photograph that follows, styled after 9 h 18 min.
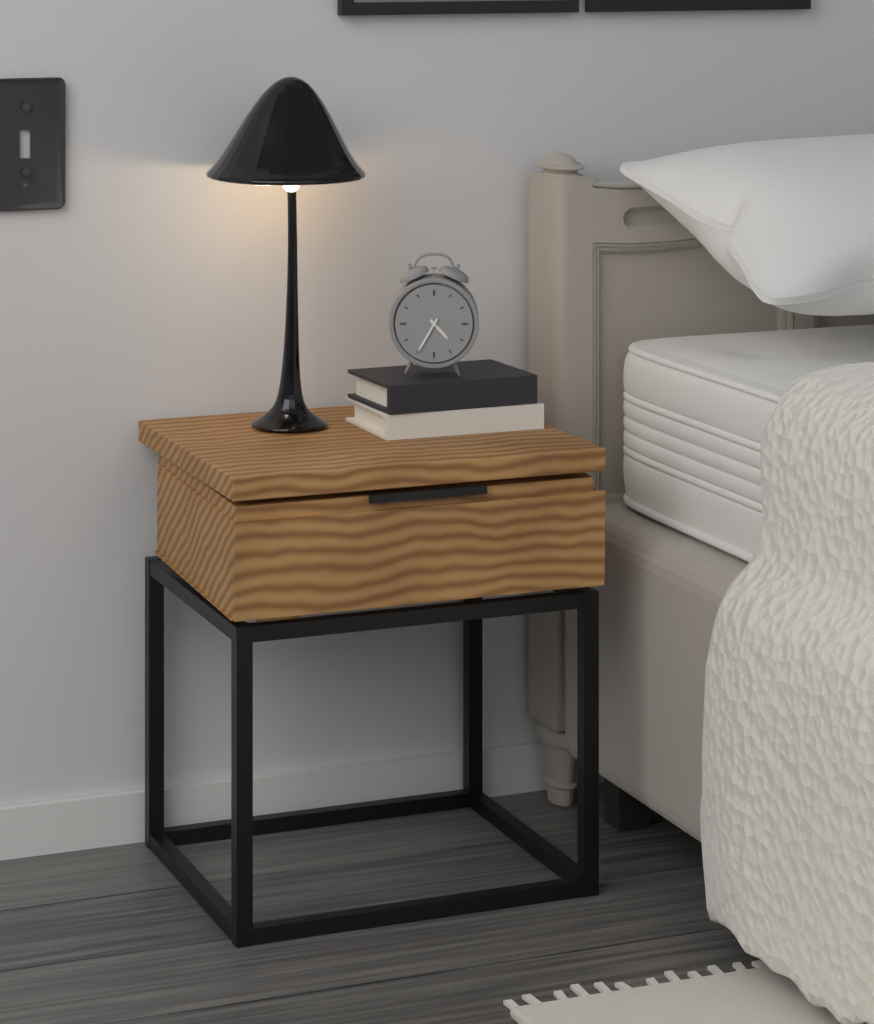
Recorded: 4 h 35 min
